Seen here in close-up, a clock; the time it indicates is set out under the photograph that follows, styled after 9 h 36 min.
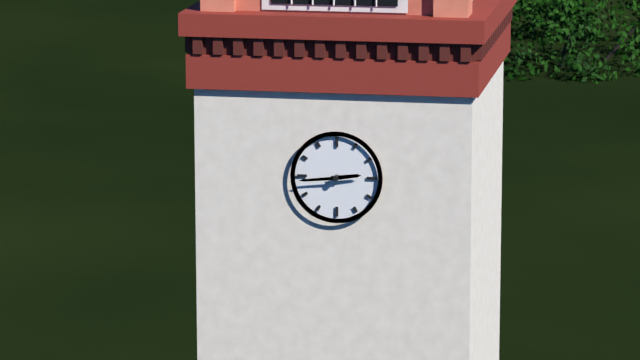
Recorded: 2 h 44 min
